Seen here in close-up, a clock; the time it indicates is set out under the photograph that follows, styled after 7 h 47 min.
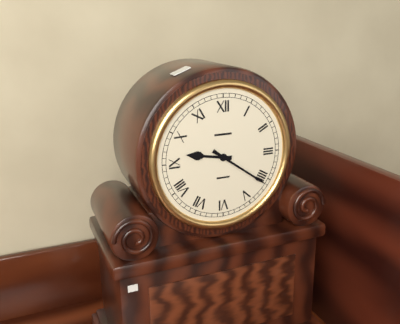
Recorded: 9 h 21 min
